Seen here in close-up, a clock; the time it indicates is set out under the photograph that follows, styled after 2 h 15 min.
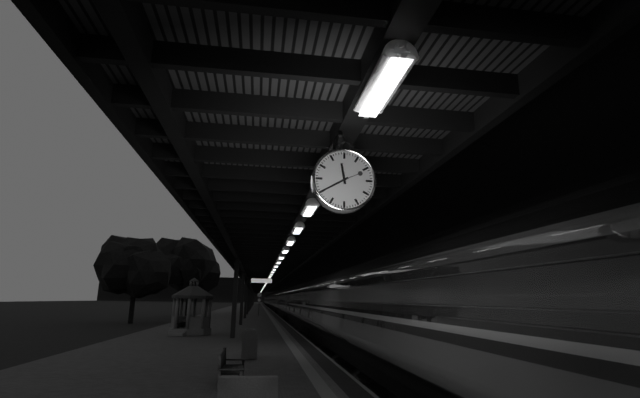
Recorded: 11 h 40 min
